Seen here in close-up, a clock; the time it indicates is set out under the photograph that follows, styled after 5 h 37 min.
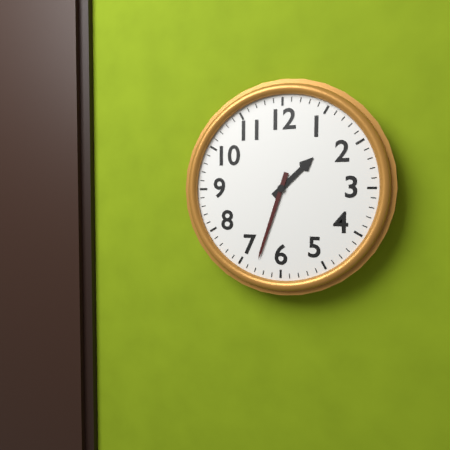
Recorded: 1 h 33 min
